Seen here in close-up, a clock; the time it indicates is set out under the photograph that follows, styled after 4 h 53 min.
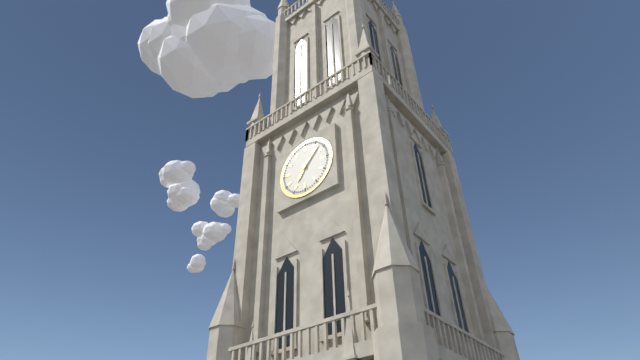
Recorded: 7 h 07 min
